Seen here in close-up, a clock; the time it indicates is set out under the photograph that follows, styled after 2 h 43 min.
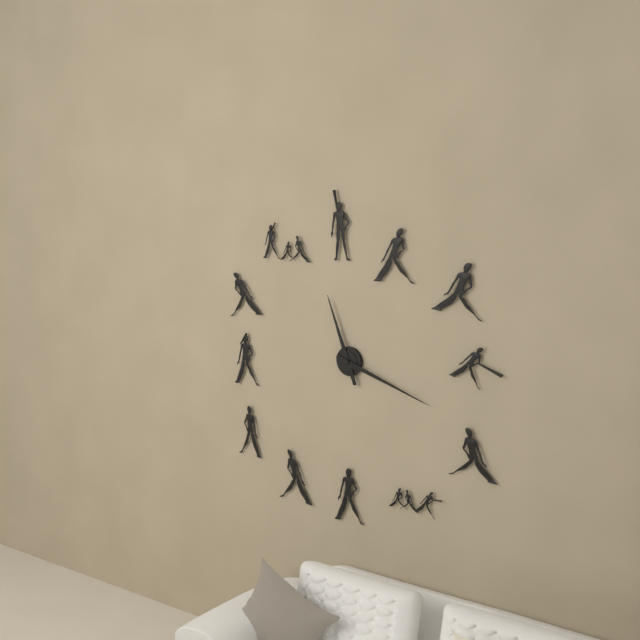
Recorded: 11 h 18 min
